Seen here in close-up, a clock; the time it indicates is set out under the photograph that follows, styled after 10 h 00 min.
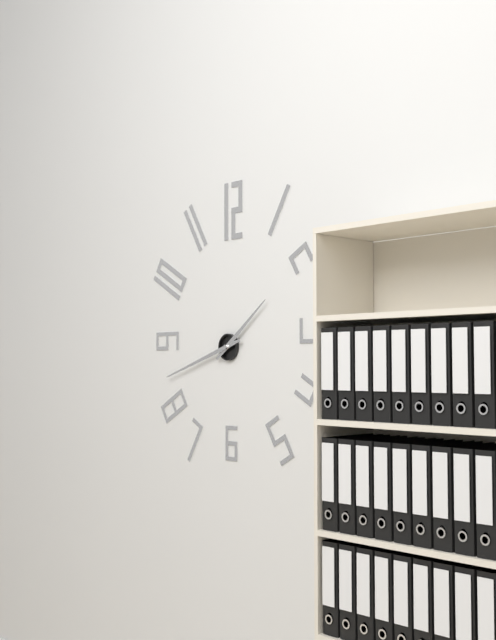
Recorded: 1 h 42 min
